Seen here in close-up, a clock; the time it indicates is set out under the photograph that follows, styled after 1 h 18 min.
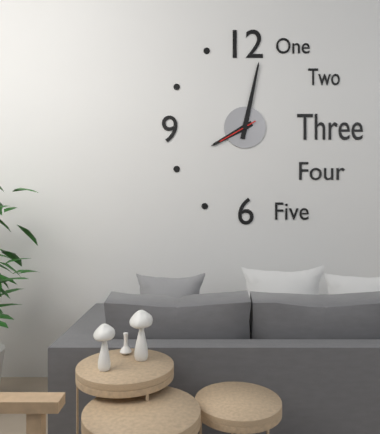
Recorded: 8 h 02 min
